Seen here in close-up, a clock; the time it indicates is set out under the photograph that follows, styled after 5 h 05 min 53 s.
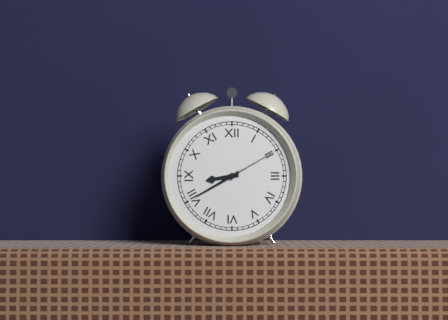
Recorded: 8 h 40 min 10 s
